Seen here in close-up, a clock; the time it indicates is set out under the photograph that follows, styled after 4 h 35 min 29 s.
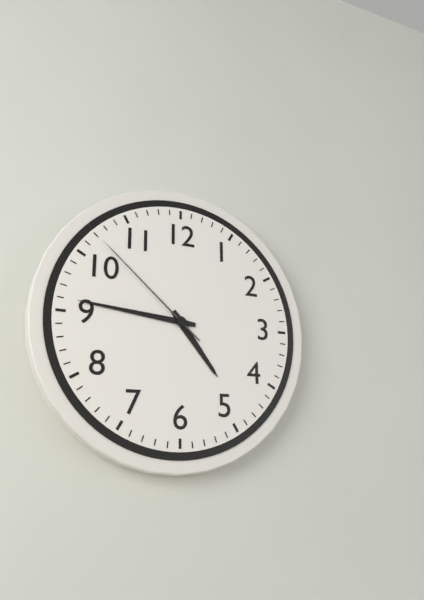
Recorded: 4 h 46 min 52 s
